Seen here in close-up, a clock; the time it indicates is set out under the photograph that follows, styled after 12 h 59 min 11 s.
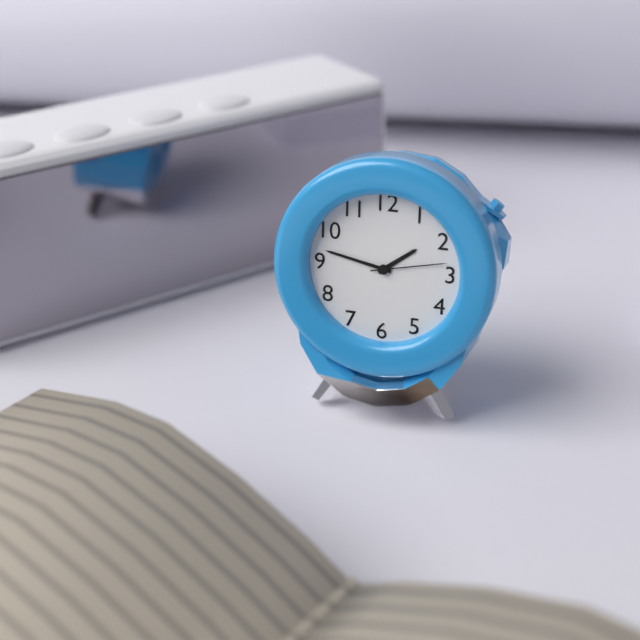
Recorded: 1 h 47 min 13 s
